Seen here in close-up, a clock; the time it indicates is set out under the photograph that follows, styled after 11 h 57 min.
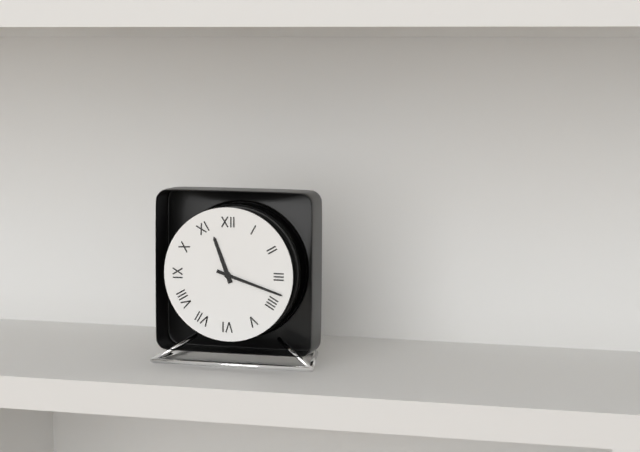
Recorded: 11 h 18 min
